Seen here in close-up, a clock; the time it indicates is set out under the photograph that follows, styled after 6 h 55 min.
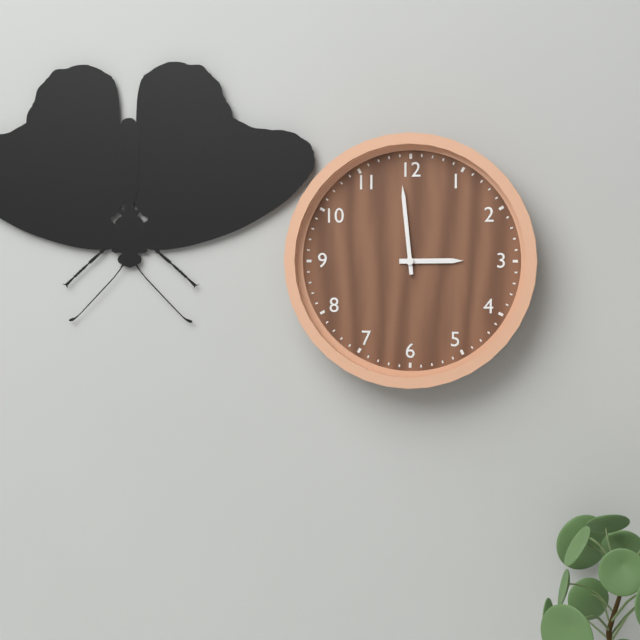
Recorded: 2 h 59 min
